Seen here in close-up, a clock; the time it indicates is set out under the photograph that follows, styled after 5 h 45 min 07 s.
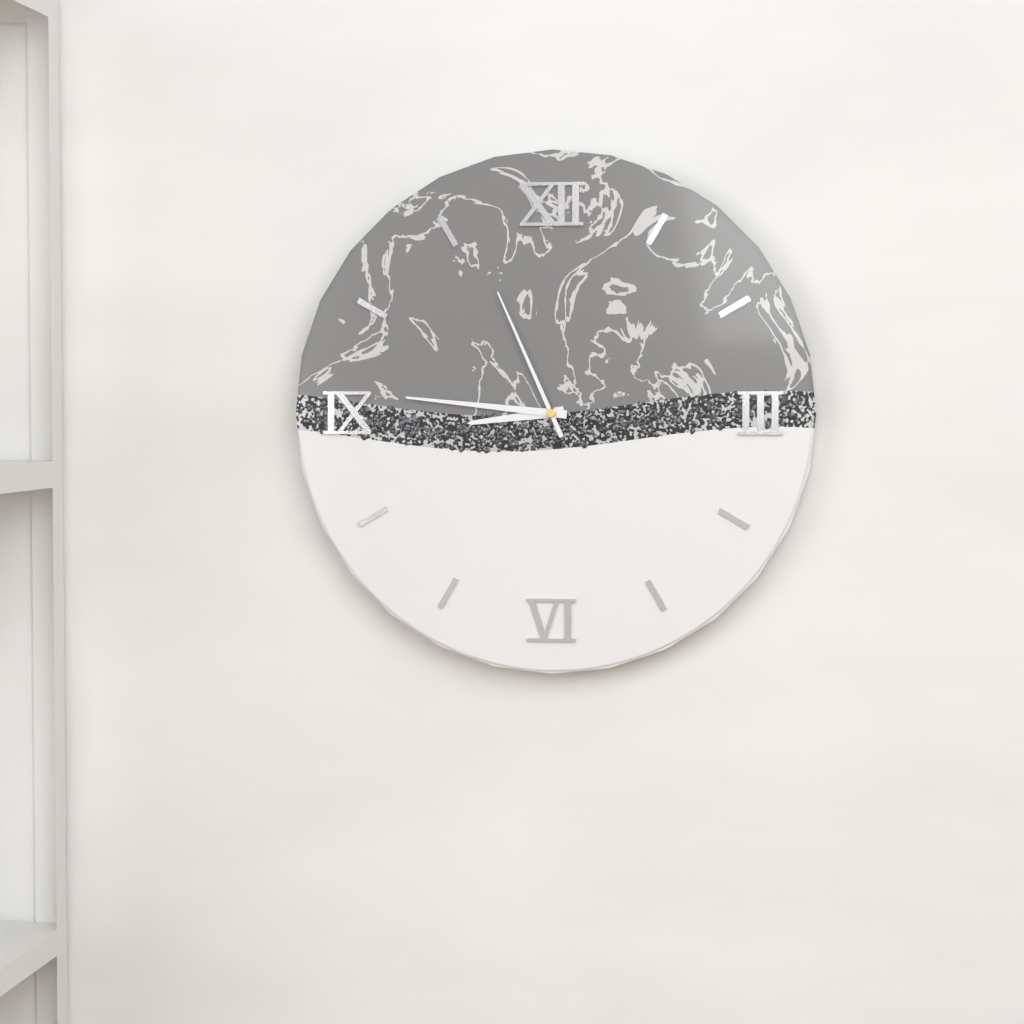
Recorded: 8 h 46 min 56 s
